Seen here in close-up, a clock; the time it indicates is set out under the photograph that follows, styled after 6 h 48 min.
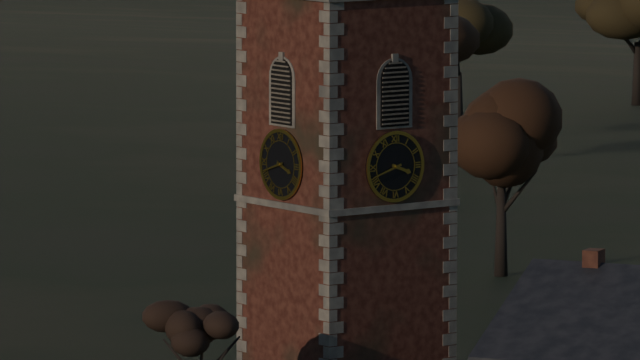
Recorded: 3 h 42 min
